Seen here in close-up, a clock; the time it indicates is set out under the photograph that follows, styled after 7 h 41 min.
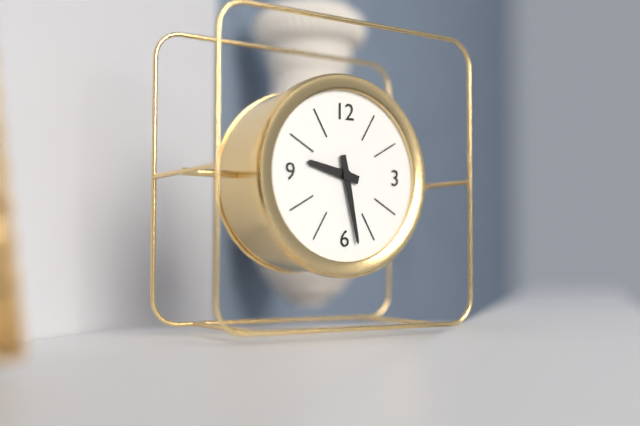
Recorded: 9 h 28 min
